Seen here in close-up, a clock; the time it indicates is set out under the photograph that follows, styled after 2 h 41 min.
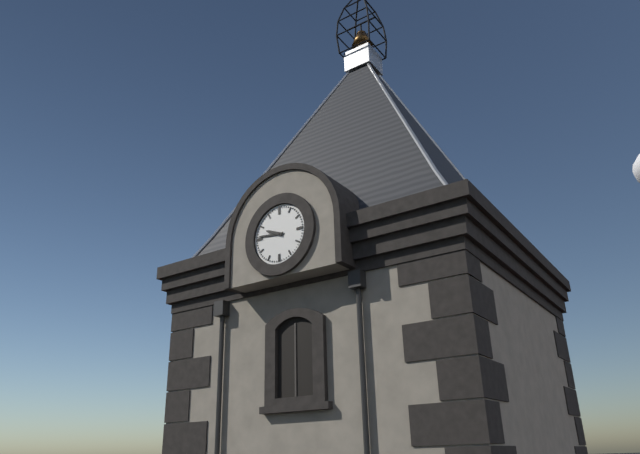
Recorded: 9 h 46 min
